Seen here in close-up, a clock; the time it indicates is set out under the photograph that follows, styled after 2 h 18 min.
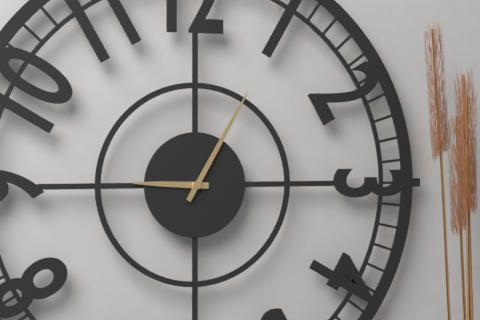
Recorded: 9 h 05 min
